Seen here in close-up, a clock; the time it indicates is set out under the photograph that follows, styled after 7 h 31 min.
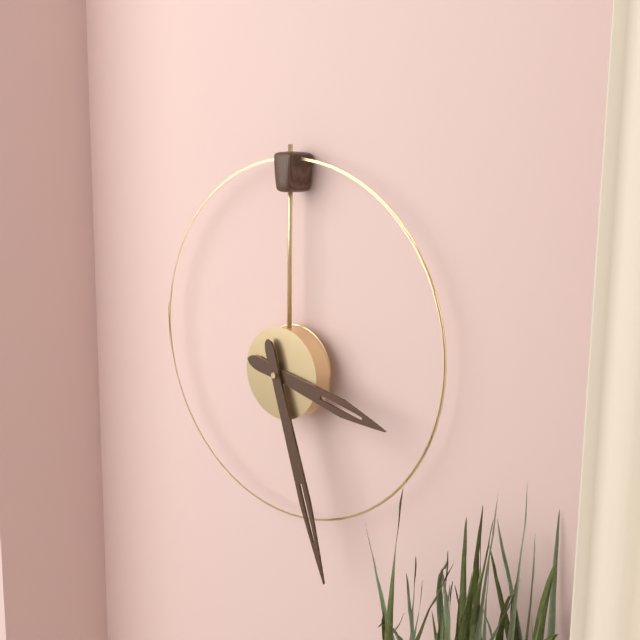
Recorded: 3 h 27 min
